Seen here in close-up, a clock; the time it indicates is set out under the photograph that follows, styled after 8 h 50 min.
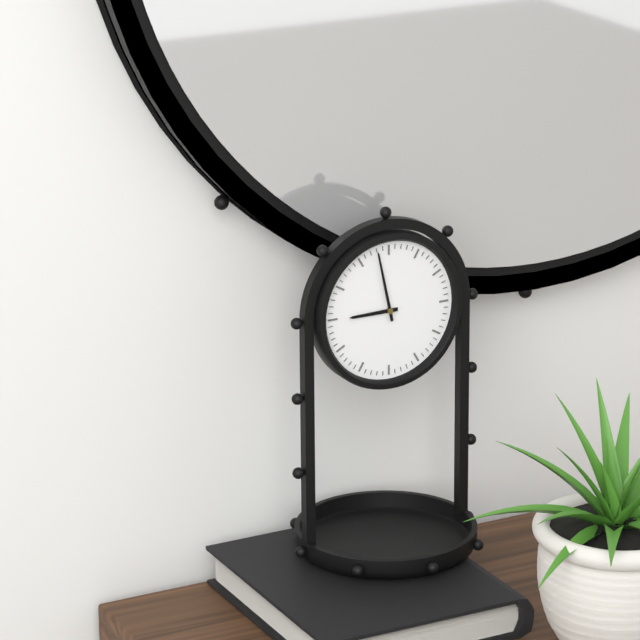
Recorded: 8 h 58 min
